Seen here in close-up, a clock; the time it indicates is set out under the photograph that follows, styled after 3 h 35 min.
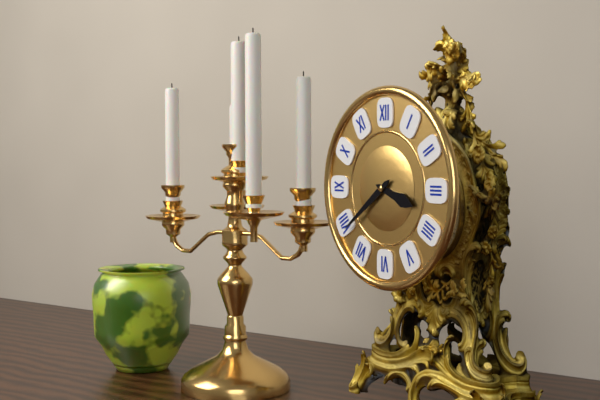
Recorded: 3 h 39 min
